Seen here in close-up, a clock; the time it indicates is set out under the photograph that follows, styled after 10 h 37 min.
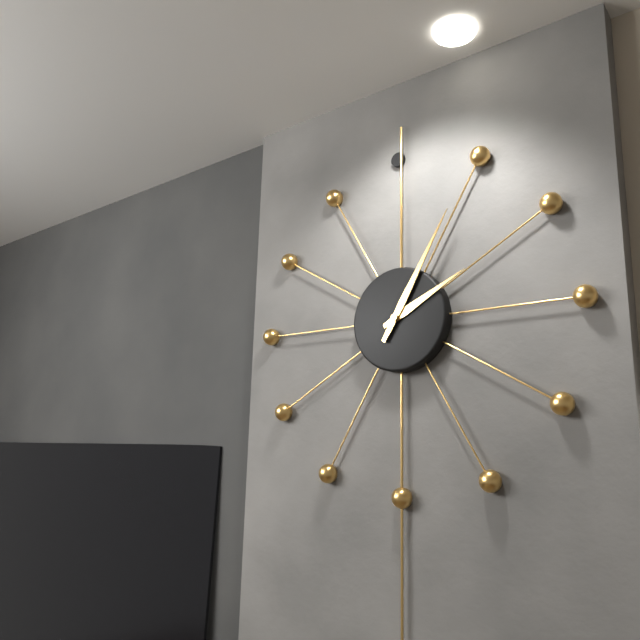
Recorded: 2 h 05 min
